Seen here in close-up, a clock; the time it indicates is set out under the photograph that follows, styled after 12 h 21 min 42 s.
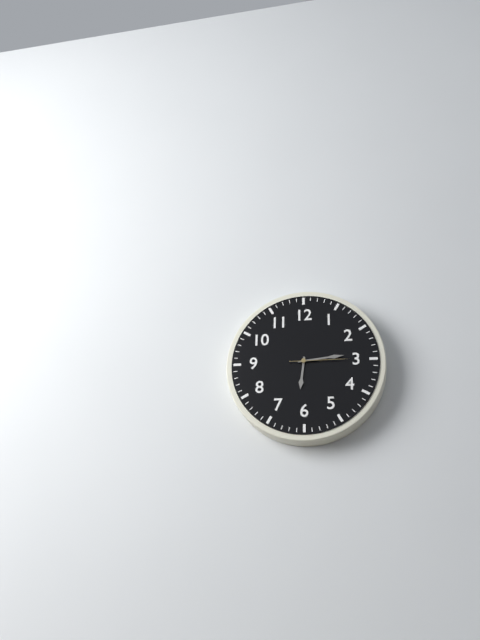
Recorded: 6 h 14 min 15 s
